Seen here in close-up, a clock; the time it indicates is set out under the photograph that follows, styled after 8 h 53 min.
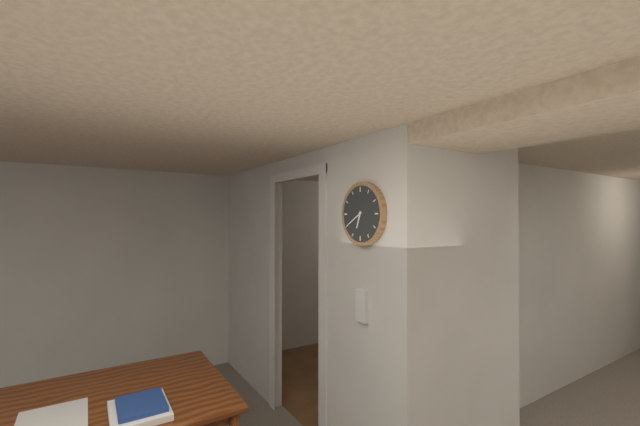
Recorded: 6 h 40 min
